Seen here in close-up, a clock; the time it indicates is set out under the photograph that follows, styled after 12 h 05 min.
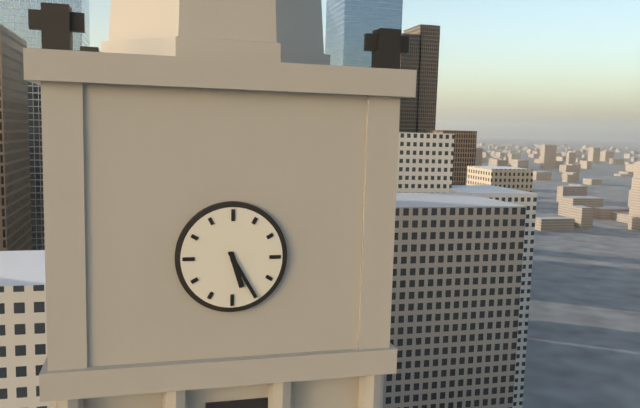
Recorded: 5 h 25 min
